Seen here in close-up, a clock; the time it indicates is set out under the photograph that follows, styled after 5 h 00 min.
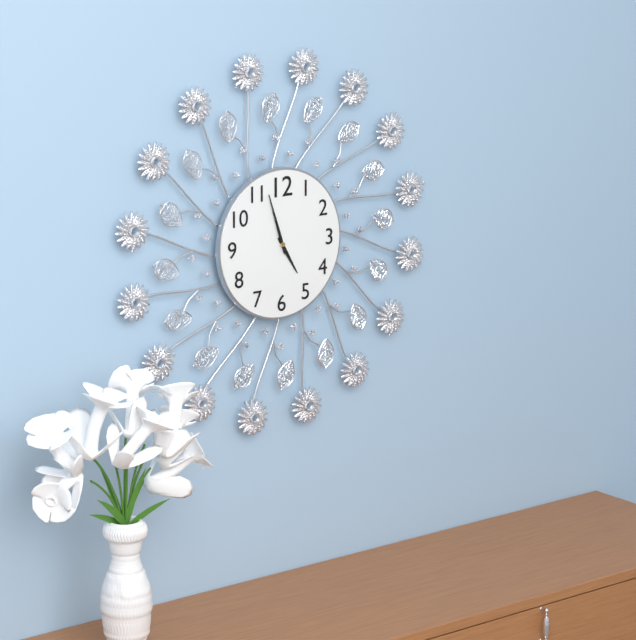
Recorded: 4 h 57 min
